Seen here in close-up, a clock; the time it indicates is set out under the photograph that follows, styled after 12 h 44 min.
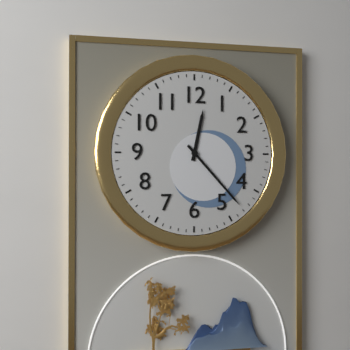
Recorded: 12 h 23 min
